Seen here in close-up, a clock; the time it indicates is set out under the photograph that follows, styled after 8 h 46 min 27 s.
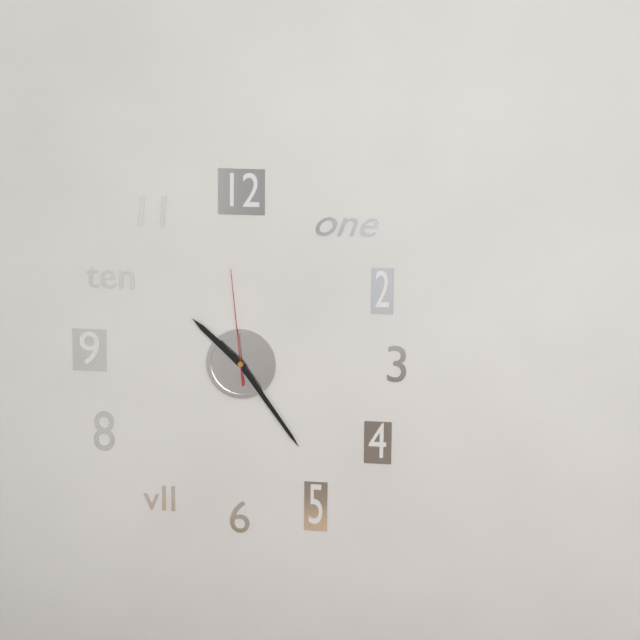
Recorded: 10 h 24 min 59 s
